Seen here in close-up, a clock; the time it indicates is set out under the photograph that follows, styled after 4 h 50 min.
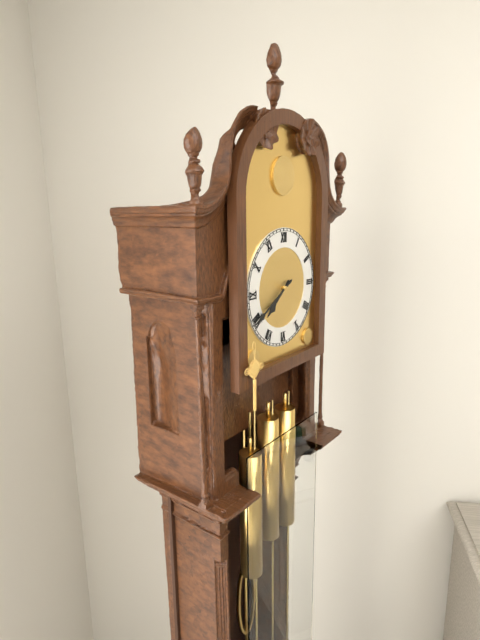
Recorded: 7 h 40 min
